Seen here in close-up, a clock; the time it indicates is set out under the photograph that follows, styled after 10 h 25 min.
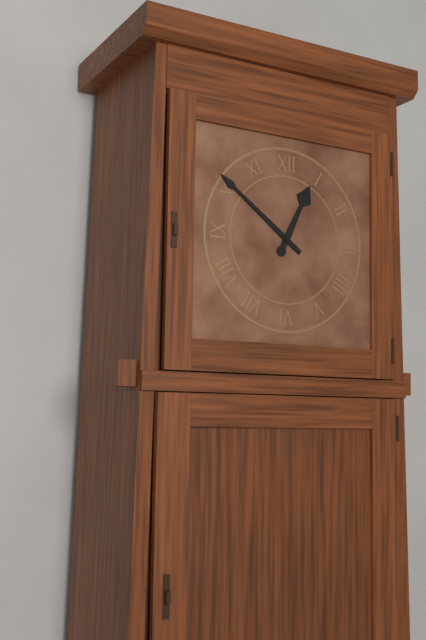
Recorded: 12 h 51 min
